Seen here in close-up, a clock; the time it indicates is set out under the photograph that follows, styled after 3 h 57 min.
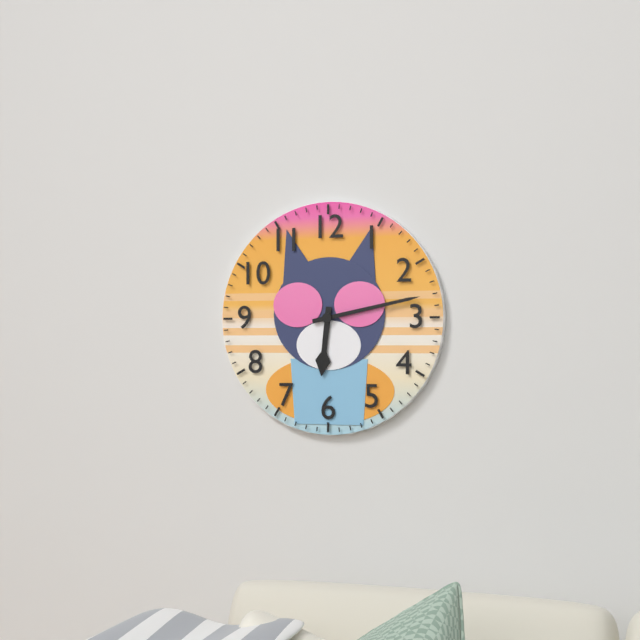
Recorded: 6 h 13 min
